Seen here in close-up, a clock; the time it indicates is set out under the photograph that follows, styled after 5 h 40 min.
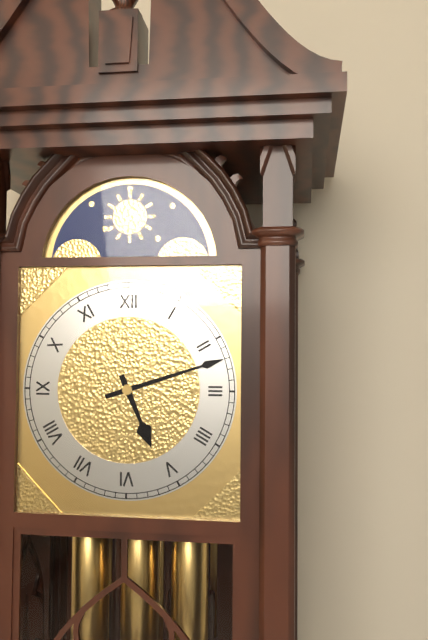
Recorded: 5 h 12 min
